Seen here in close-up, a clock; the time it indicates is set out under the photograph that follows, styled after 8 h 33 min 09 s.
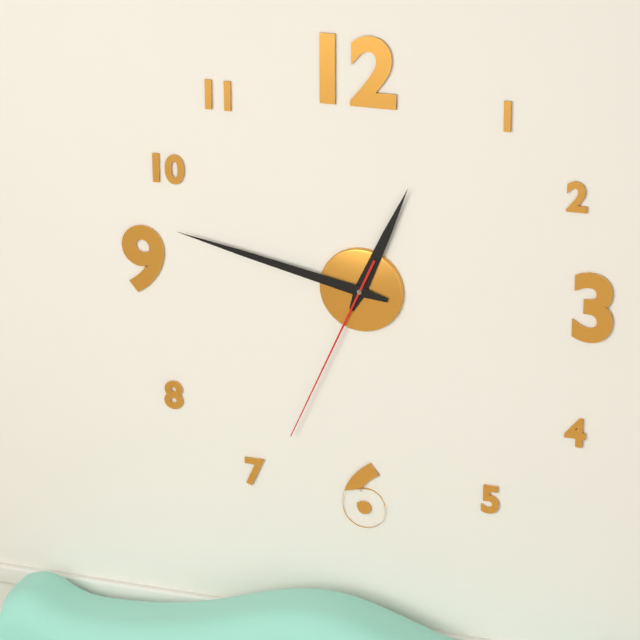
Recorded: 12 h 47 min 34 s
